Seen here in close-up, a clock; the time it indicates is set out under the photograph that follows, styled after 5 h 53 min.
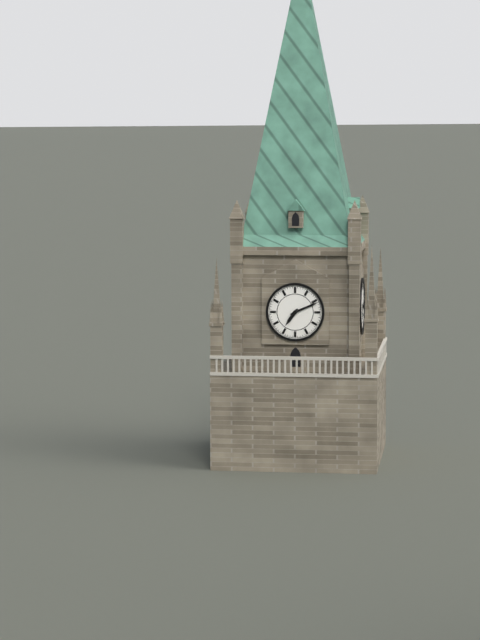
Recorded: 7 h 11 min
